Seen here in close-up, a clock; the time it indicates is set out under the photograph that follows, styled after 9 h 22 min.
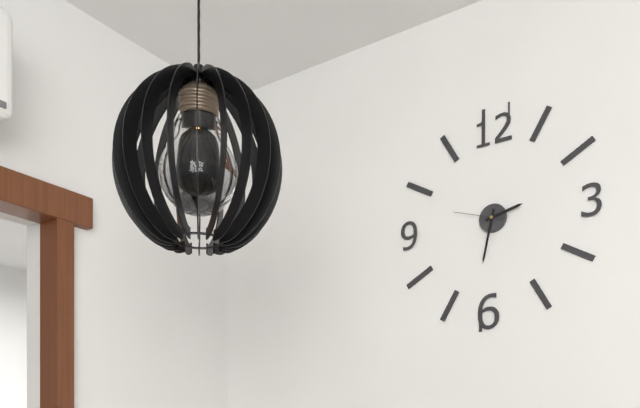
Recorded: 2 h 32 min
